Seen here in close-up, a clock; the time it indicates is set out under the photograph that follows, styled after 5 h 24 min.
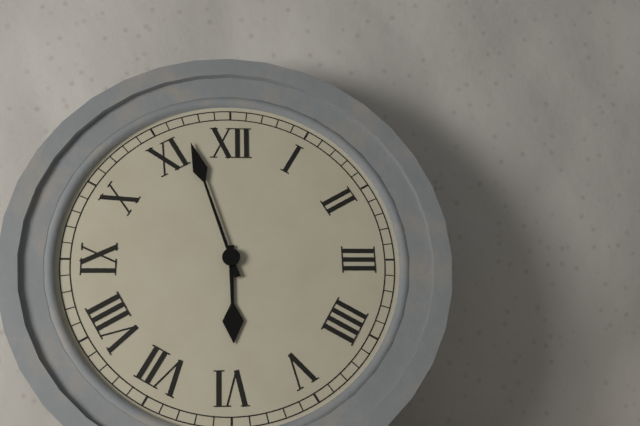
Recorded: 5 h 57 min
